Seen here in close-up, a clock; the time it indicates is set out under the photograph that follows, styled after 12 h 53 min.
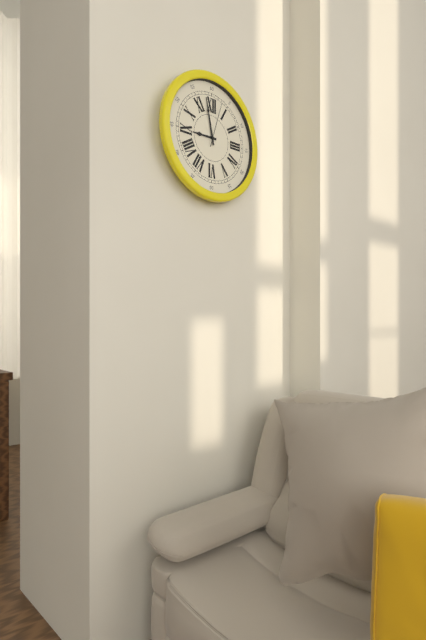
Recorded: 8 h 58 min
